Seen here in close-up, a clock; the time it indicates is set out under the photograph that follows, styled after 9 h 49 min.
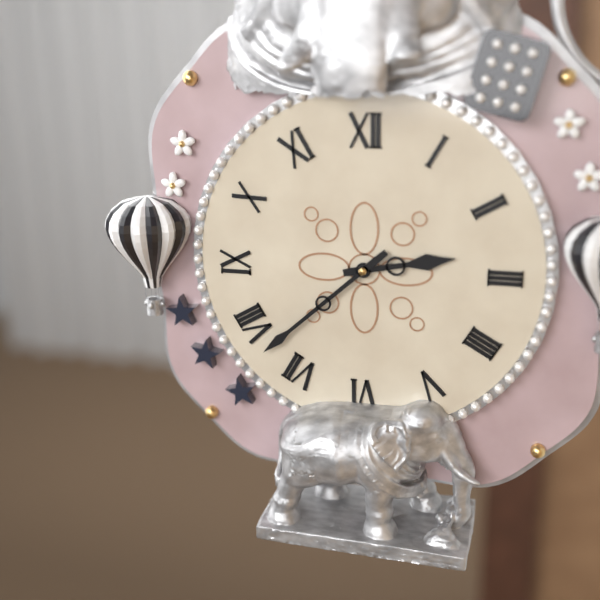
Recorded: 2 h 38 min
